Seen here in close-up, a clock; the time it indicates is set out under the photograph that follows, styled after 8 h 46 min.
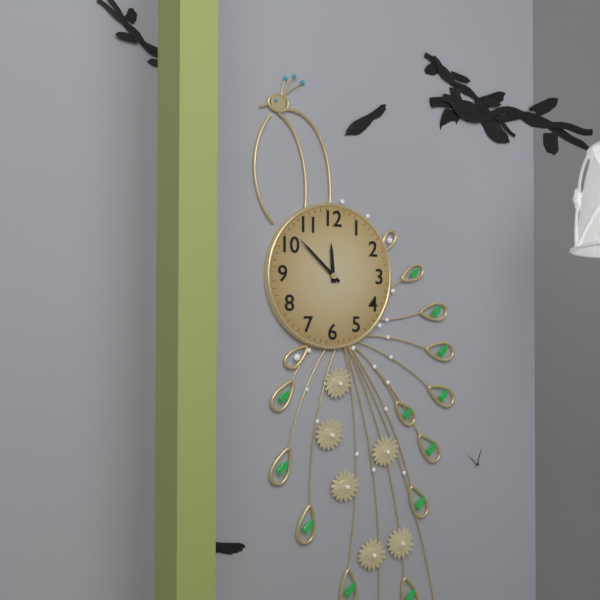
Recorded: 11 h 52 min
